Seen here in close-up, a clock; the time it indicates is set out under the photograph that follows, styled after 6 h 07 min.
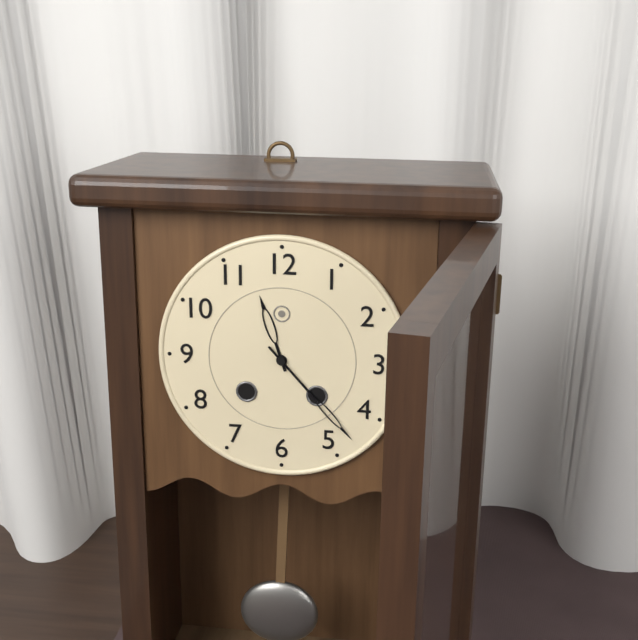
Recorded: 11 h 23 min
